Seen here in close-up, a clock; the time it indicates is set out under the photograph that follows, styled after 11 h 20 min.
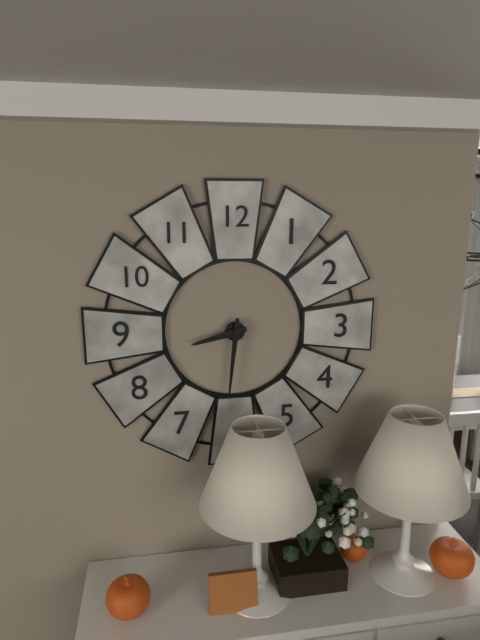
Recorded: 8 h 31 min
